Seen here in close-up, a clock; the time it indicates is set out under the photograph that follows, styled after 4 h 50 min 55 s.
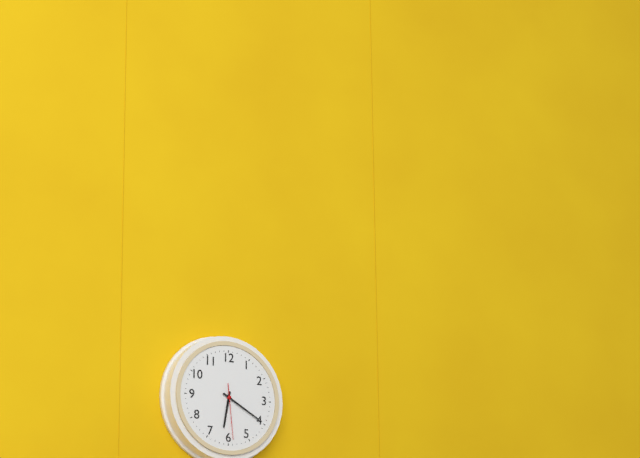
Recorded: 6 h 20 min 29 s
